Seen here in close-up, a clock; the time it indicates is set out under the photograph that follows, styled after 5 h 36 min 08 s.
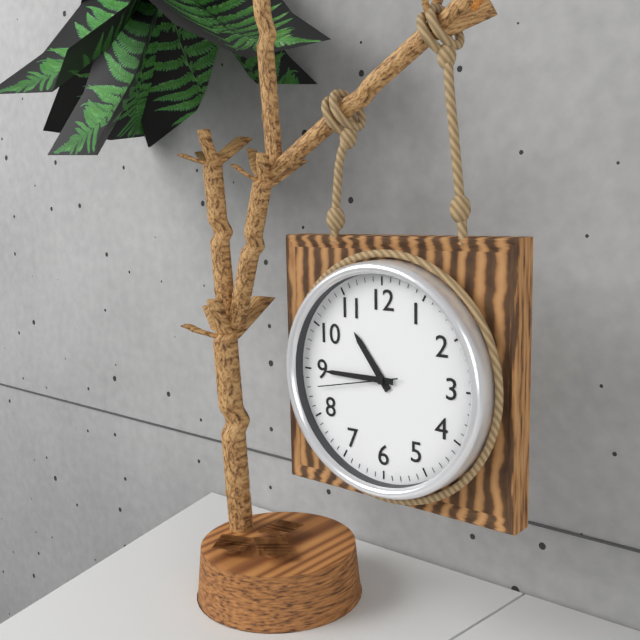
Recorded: 10 h 45 min 43 s
